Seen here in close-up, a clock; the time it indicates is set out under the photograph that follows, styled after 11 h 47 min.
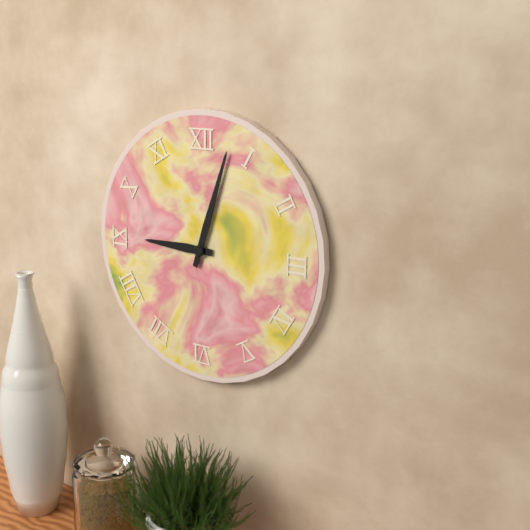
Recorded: 9 h 03 min
